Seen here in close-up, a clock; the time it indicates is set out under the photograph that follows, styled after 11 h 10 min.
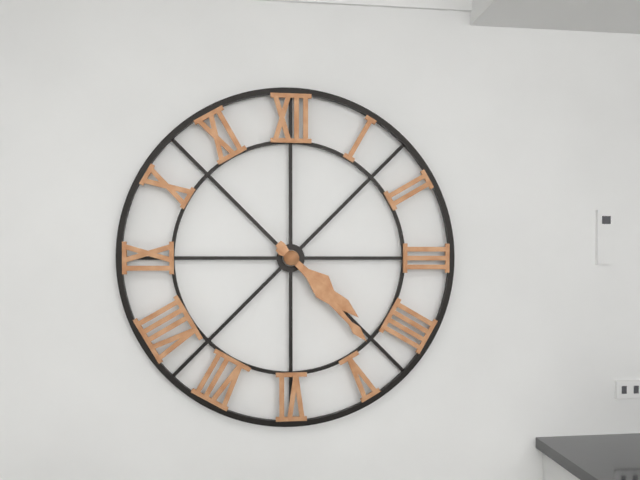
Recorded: 4 h 23 min
